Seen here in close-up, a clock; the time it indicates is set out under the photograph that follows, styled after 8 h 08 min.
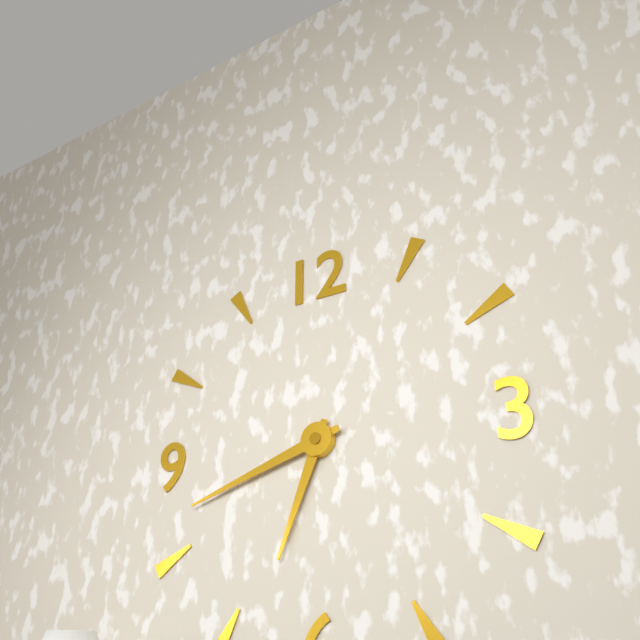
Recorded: 6 h 42 min
